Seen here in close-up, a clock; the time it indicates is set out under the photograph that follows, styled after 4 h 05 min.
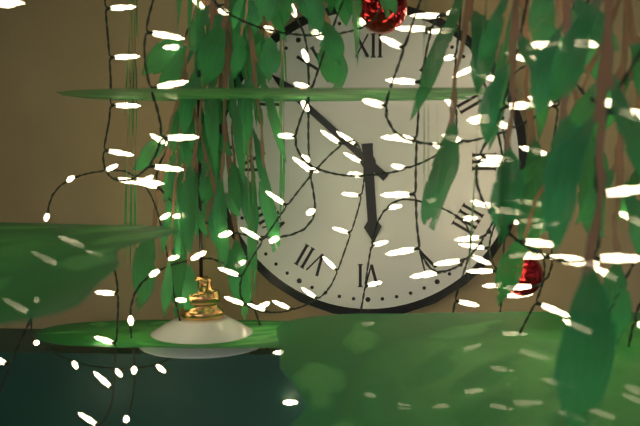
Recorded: 5 h 52 min
